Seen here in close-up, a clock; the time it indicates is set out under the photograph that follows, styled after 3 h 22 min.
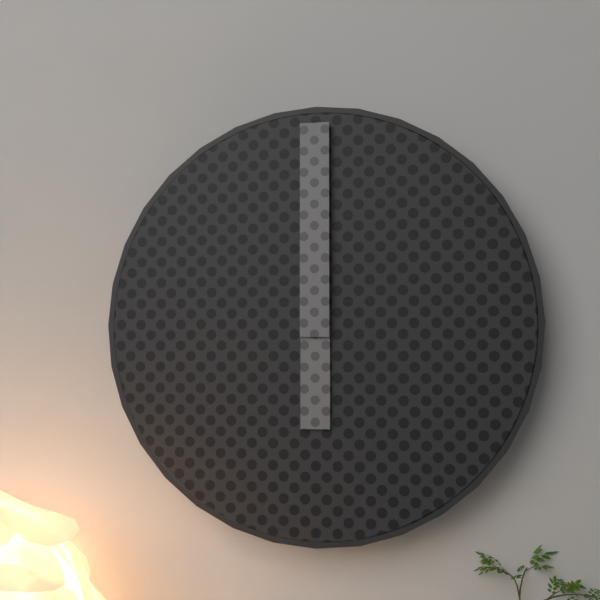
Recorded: 6 h 00 min
